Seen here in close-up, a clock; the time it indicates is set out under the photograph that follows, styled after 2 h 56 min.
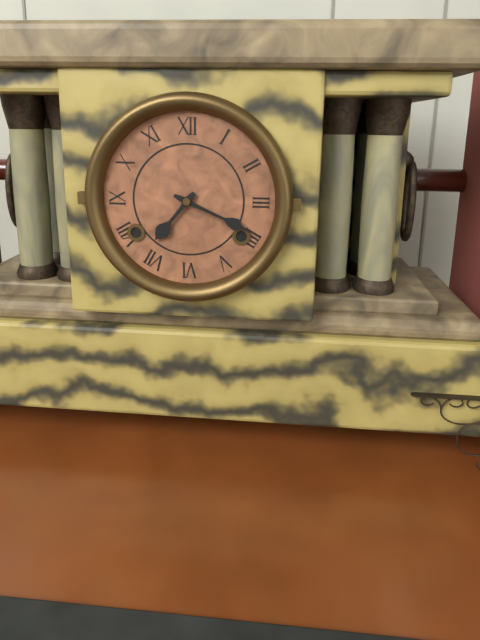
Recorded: 7 h 19 min
